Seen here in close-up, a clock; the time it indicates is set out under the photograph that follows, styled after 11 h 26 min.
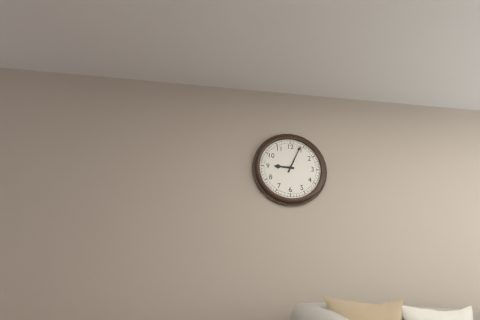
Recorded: 9 h 04 min
